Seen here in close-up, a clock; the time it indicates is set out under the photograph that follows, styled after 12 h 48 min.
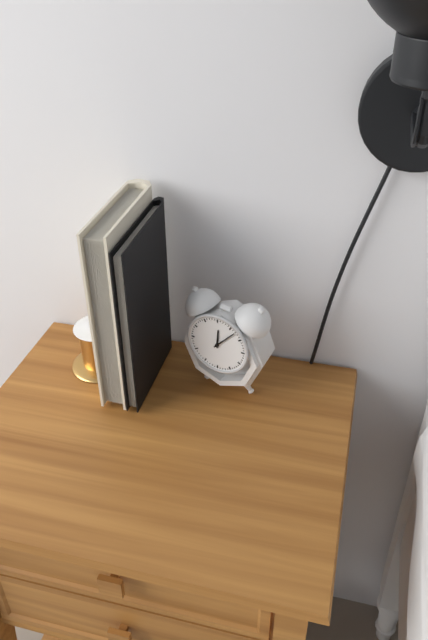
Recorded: 12 h 07 min
